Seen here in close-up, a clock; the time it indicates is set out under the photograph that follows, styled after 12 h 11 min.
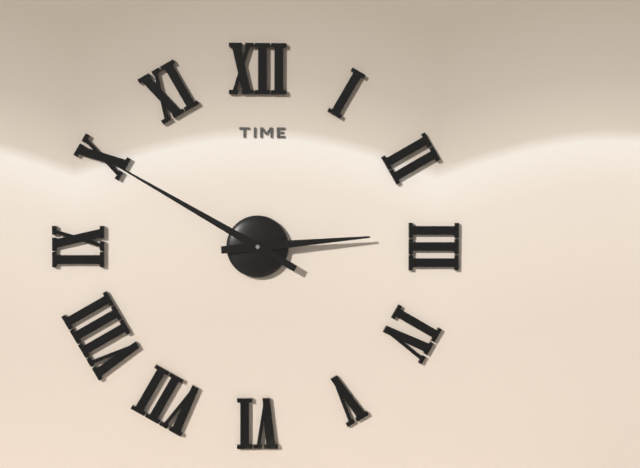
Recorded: 2 h 50 min
